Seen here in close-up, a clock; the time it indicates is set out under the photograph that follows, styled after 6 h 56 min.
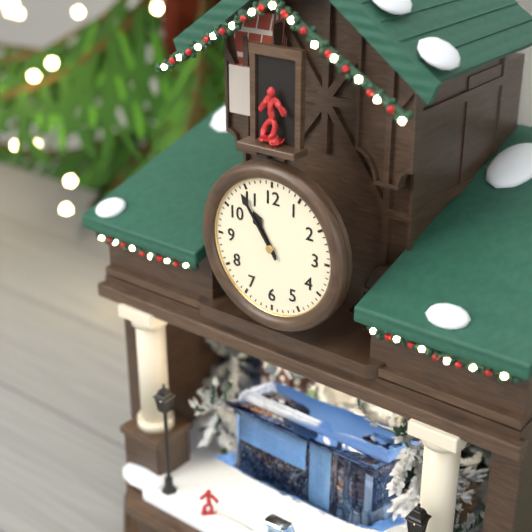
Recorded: 10 h 54 min
